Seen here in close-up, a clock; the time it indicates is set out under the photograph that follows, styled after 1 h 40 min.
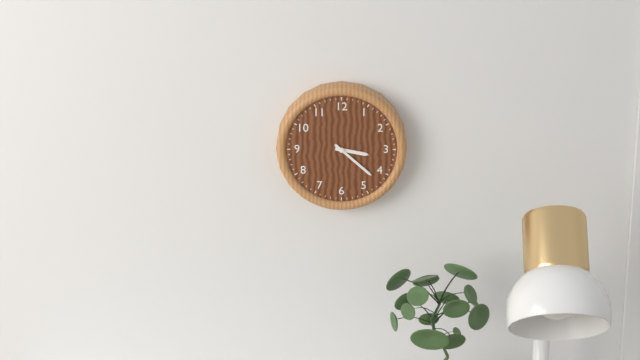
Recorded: 3 h 22 min
